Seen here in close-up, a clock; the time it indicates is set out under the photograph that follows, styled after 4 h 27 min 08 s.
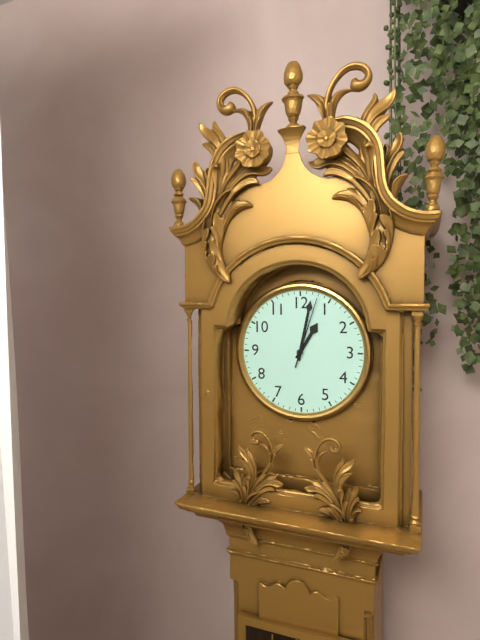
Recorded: 1 h 02 min 03 s
